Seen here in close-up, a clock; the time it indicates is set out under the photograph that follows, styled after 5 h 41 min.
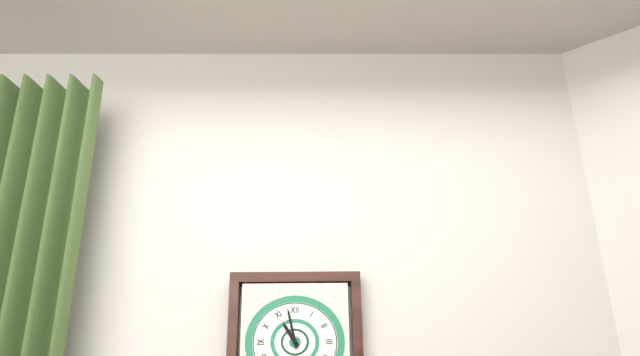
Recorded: 10 h 58 min
